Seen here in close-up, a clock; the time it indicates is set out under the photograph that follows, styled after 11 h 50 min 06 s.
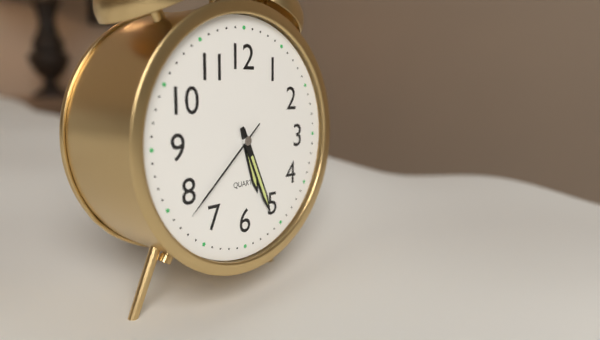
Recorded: 5 h 26 min 38 s
